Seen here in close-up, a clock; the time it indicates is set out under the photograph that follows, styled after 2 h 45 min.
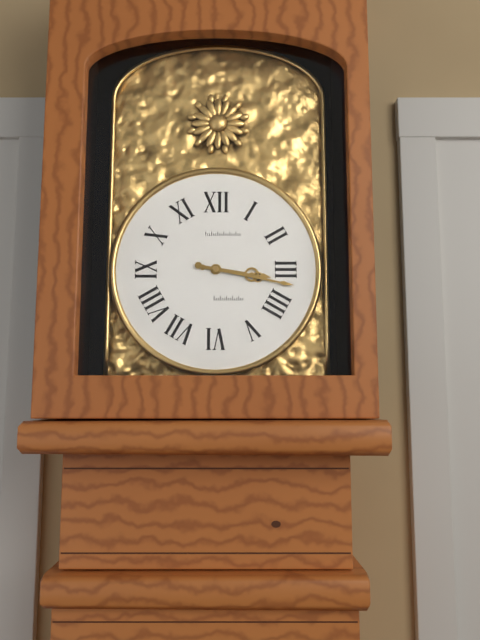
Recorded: 3 h 17 min
